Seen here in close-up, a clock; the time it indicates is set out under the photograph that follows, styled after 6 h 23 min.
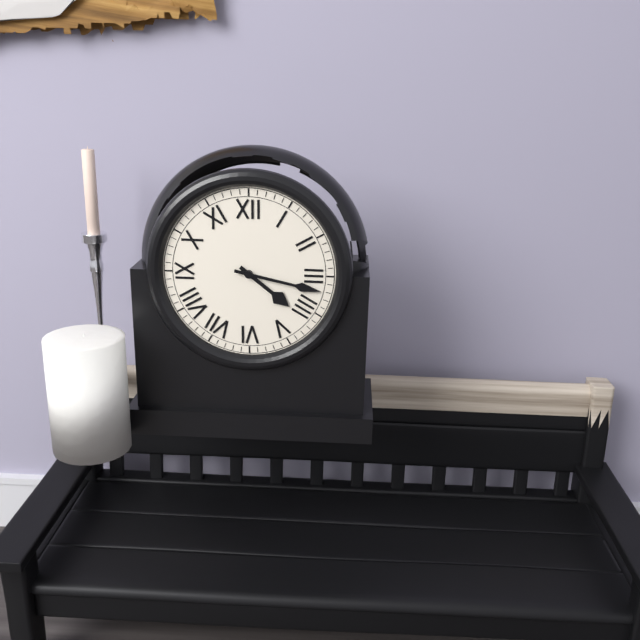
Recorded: 4 h 17 min
